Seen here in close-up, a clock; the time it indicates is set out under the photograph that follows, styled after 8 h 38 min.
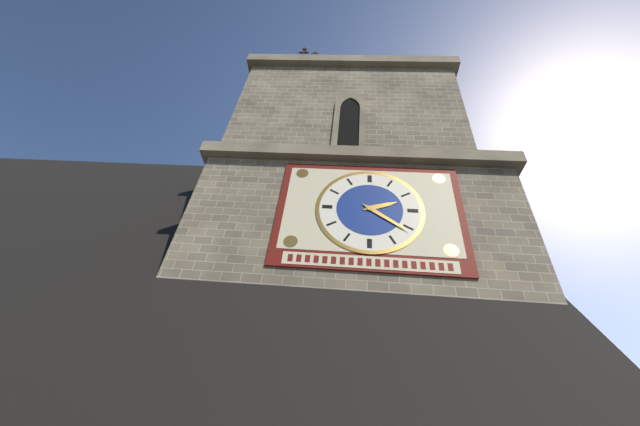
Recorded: 2 h 21 min
